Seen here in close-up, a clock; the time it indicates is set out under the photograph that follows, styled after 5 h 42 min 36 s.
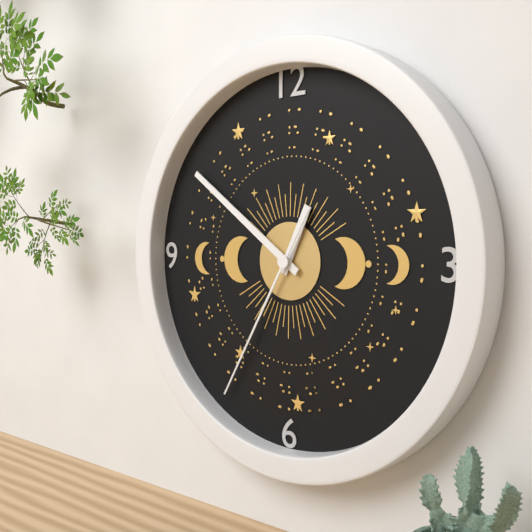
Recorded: 12 h 51 min 35 s
